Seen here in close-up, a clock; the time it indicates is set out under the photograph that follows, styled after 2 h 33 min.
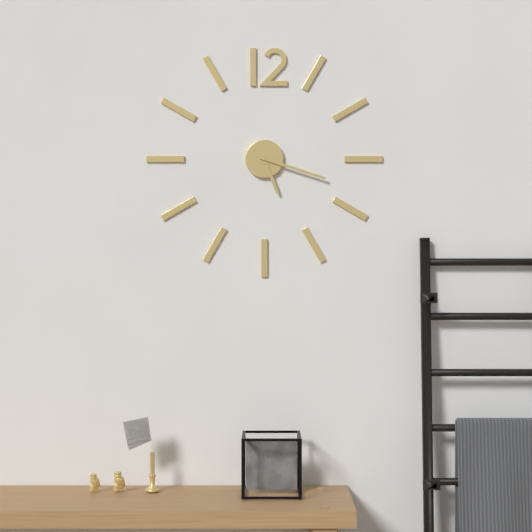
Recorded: 5 h 18 min
